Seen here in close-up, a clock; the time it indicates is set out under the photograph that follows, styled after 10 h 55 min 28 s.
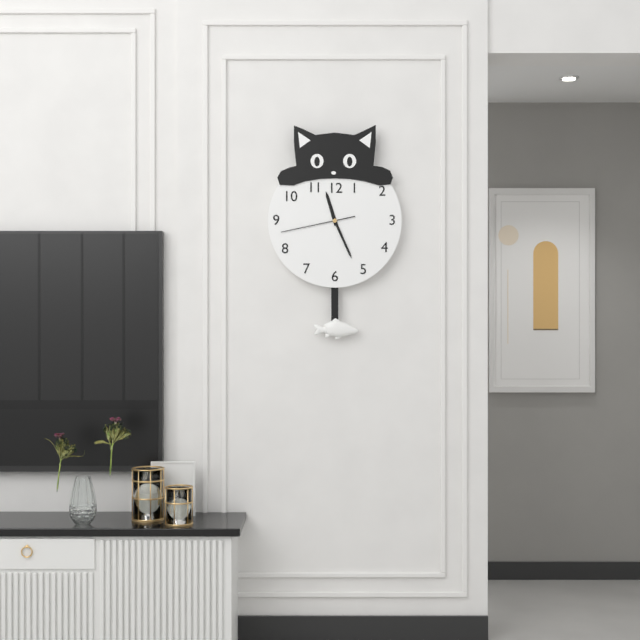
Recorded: 11 h 26 min 43 s
